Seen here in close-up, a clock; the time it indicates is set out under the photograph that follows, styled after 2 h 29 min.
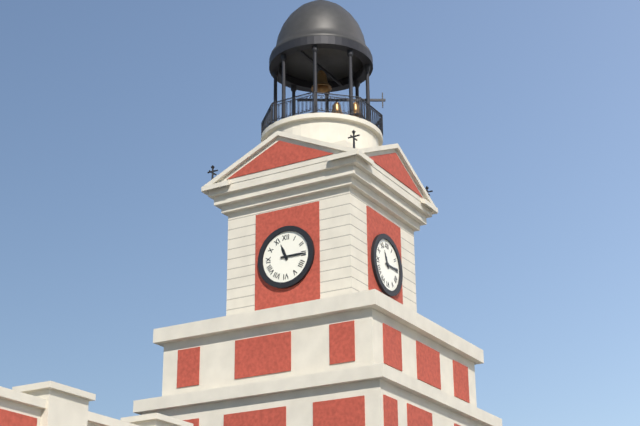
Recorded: 11 h 15 min
